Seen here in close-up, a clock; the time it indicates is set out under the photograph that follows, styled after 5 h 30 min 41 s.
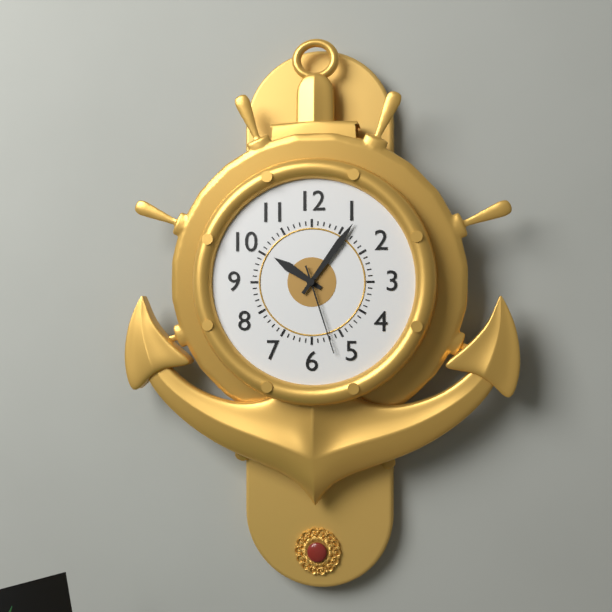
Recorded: 10 h 06 min 27 s
